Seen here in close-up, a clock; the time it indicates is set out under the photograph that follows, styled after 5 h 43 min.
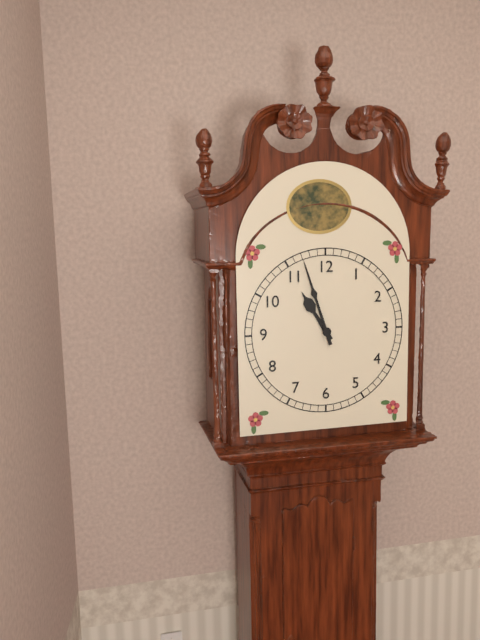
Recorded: 10 h 57 min
